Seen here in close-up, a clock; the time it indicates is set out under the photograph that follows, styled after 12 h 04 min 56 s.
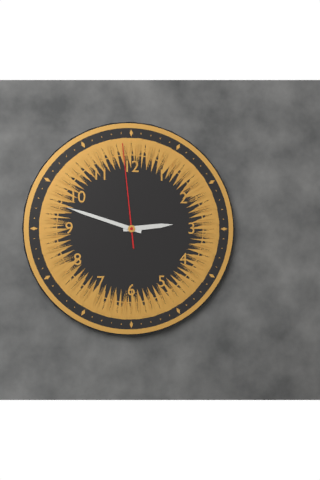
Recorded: 2 h 48 min 59 s
